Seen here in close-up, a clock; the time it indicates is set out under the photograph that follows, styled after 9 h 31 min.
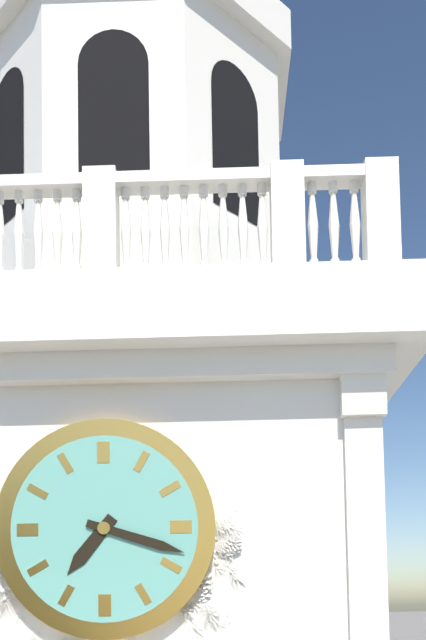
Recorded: 7 h 18 min
